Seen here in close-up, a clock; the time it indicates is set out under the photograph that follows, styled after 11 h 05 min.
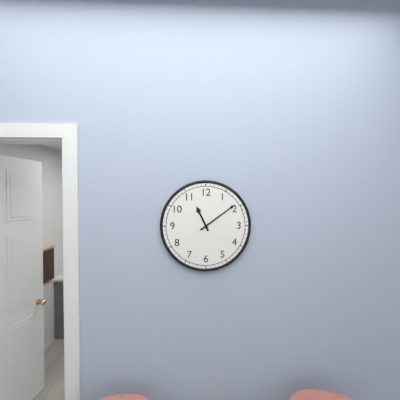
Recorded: 11 h 09 min
